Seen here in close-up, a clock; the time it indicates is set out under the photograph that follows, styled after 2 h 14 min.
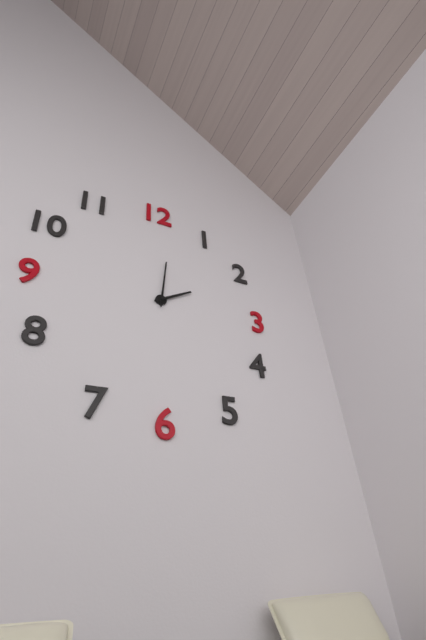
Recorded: 2 h 01 min
